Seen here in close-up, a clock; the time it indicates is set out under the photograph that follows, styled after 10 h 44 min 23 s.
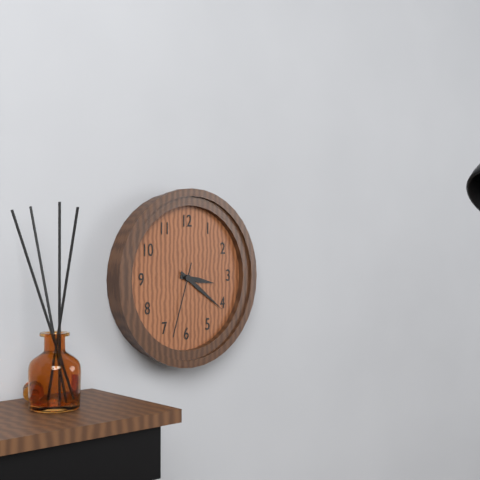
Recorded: 3 h 21 min 33 s
